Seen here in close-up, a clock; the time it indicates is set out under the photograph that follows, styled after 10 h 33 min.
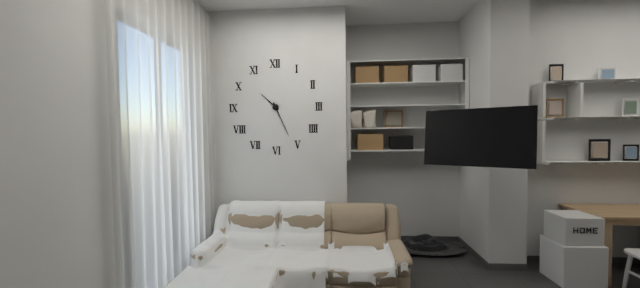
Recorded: 10 h 26 min
